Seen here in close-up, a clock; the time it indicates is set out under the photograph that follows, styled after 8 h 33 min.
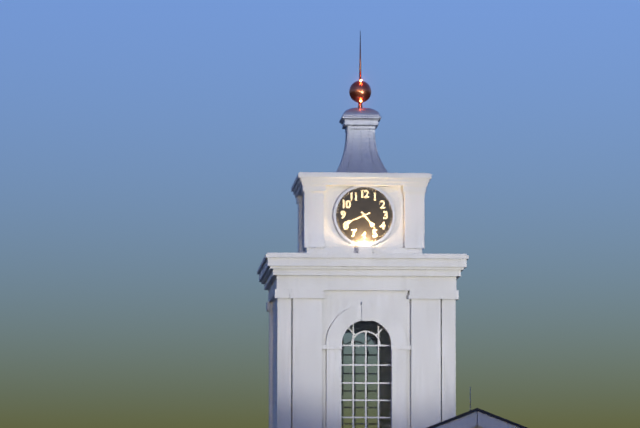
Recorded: 4 h 41 min
